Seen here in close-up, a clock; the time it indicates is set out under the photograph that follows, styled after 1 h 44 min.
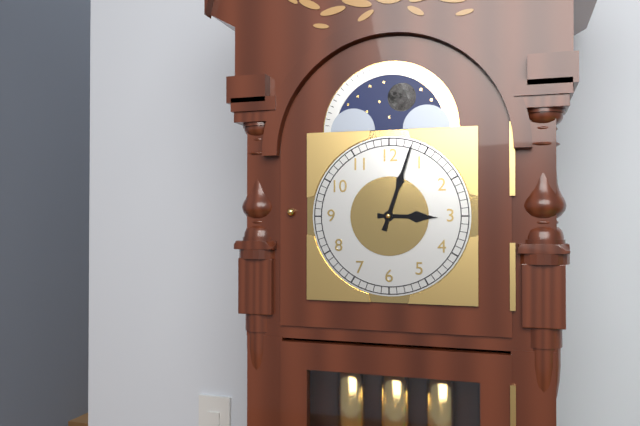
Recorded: 3 h 03 min
